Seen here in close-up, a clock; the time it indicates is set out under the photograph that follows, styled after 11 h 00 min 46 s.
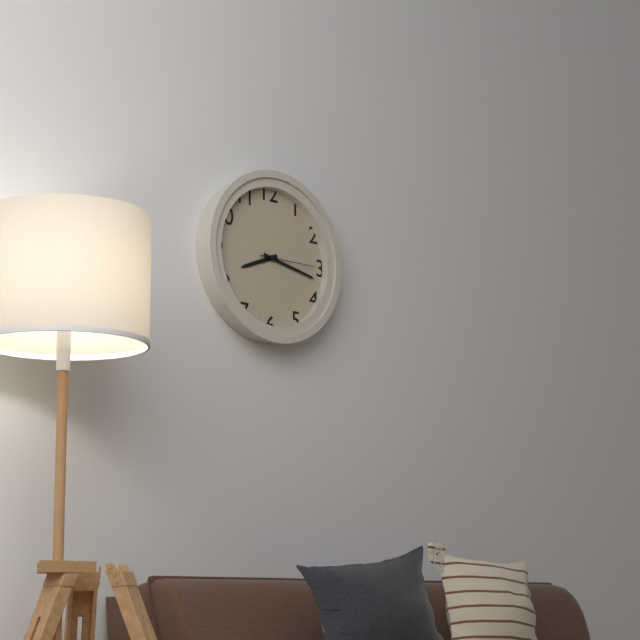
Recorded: 8 h 17 min 15 s
